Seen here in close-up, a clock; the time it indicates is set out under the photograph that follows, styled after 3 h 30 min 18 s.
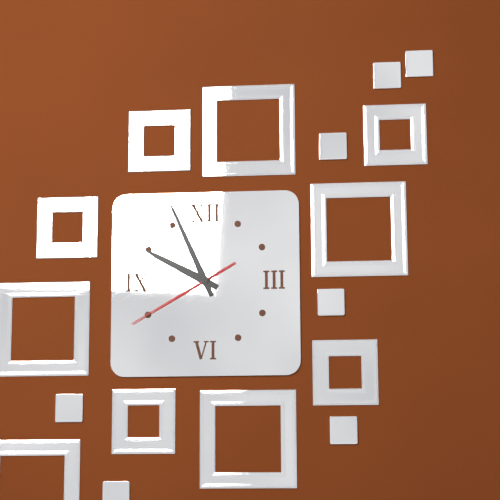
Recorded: 9 h 56 min 40 s
